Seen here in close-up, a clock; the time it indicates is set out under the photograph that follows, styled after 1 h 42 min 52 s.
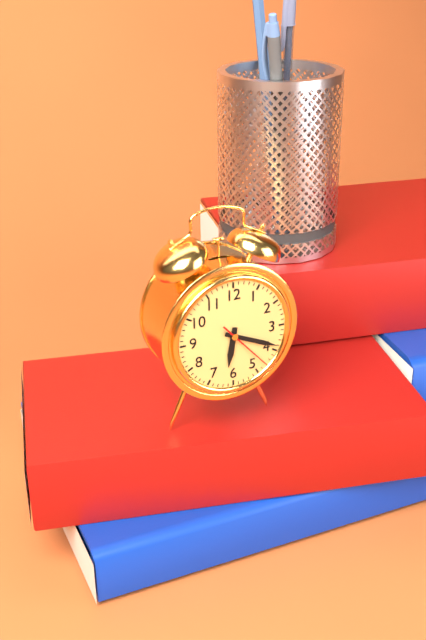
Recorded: 6 h 19 min 23 s
